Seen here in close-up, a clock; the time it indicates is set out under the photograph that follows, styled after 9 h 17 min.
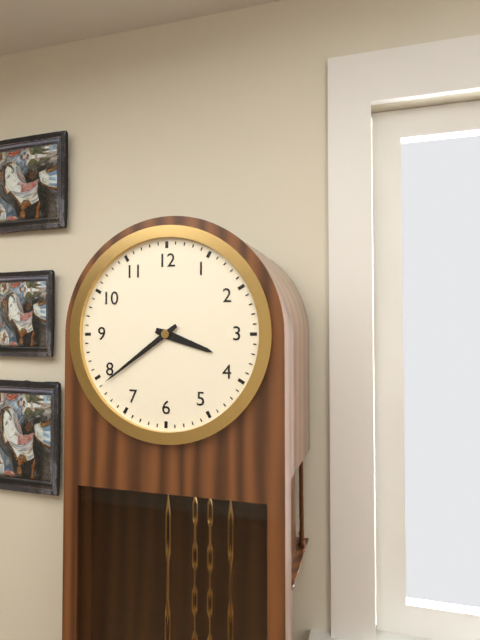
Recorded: 3 h 39 min
